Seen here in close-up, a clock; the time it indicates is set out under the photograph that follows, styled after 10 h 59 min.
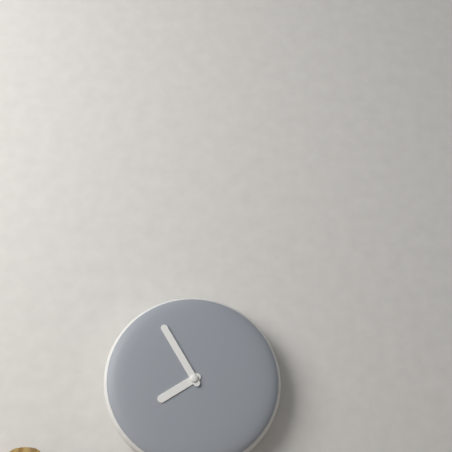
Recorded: 7 h 55 min
